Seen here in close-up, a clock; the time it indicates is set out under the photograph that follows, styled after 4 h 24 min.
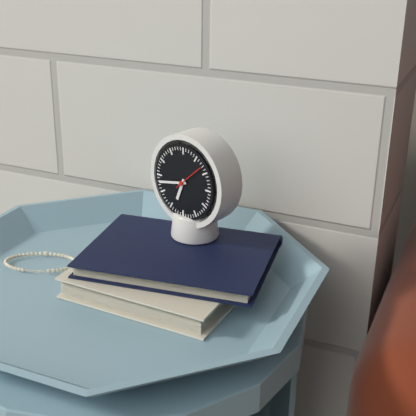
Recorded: 6 h 43 min
